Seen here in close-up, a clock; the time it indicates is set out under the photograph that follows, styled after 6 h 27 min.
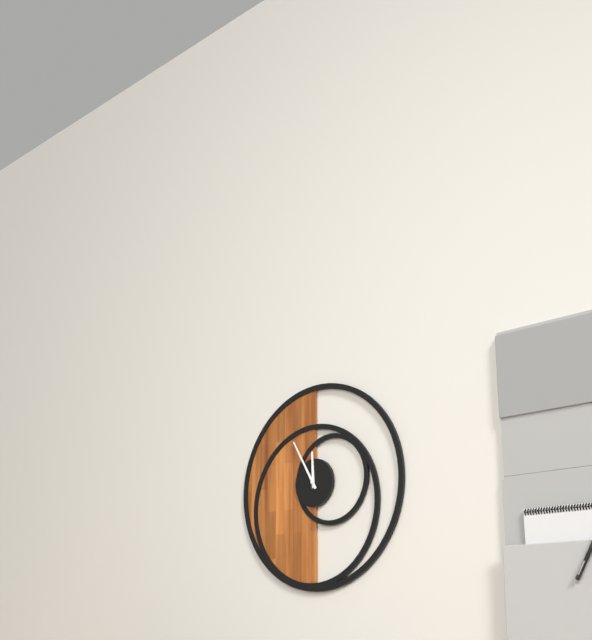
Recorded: 11 h 55 min
